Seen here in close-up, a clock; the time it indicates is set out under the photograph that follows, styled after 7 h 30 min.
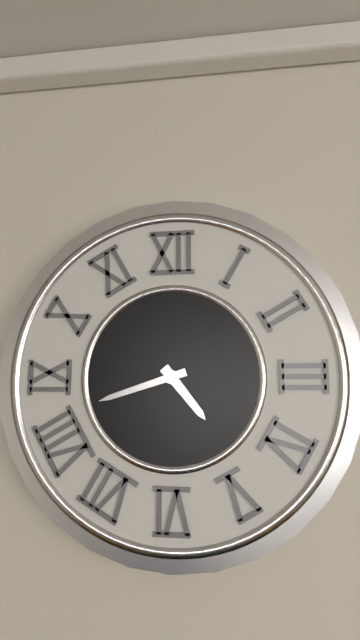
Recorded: 4 h 42 min
